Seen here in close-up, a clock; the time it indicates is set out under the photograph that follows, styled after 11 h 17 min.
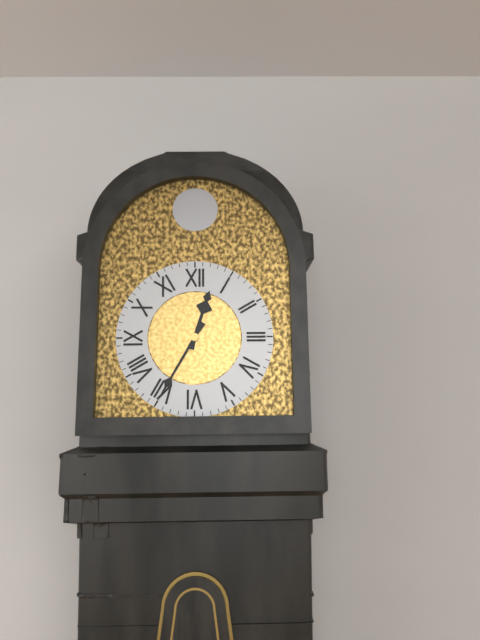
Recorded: 12 h 35 min
